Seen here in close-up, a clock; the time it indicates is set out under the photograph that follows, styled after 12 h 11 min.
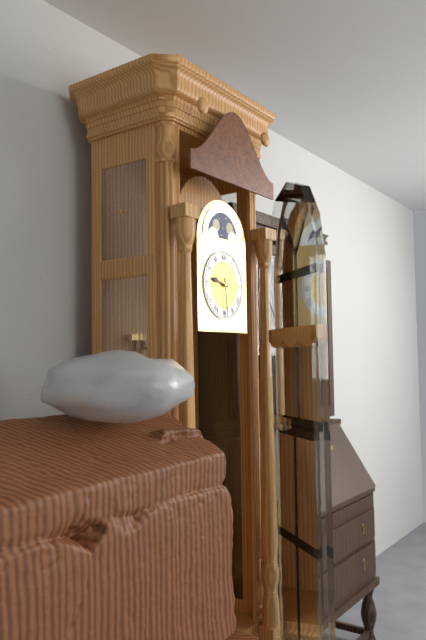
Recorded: 9 h 29 min
